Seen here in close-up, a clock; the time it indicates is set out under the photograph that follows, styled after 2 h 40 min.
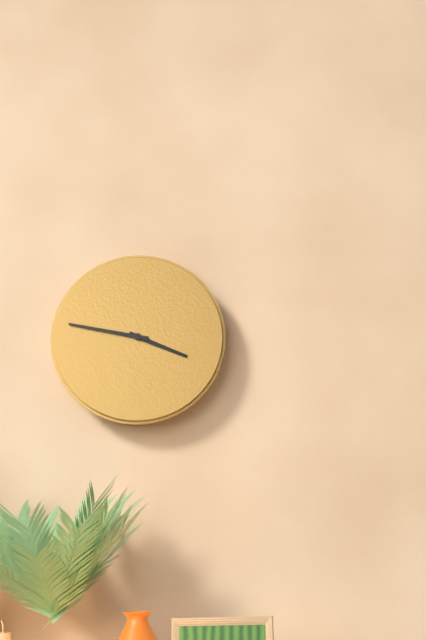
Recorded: 3 h 47 min
